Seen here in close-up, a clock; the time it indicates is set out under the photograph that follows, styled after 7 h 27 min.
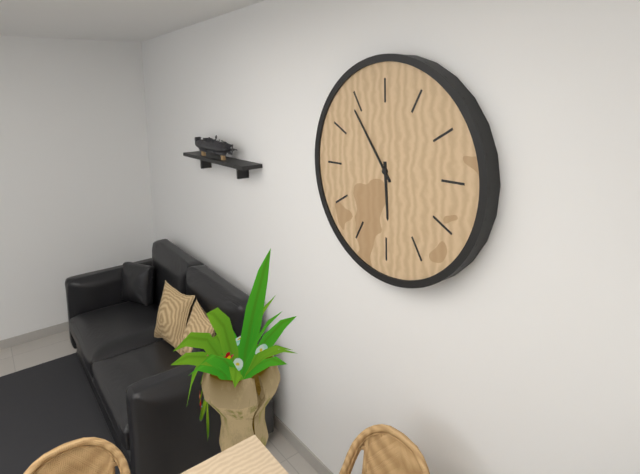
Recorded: 5 h 54 min
